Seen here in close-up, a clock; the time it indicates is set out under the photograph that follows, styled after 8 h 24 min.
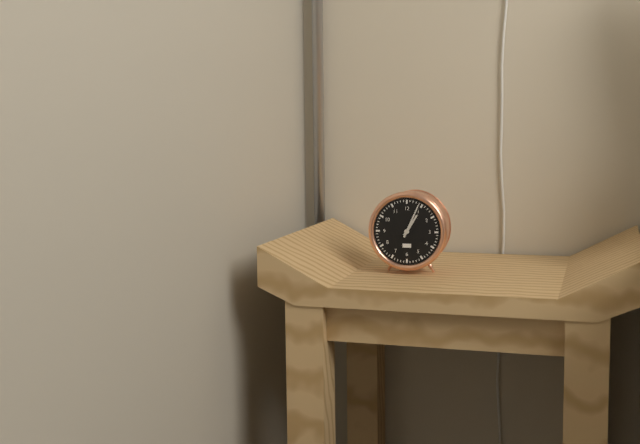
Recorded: 1 h 04 min
